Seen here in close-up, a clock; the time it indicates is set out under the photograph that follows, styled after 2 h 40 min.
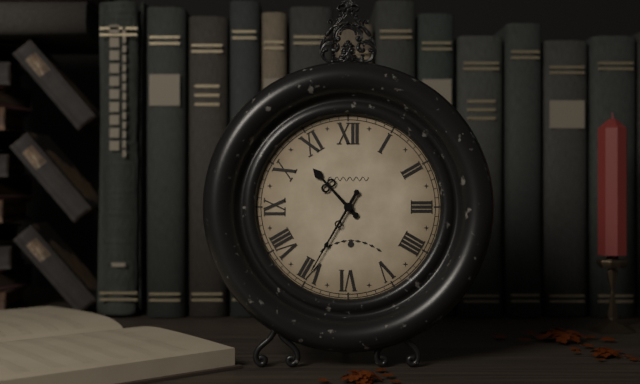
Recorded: 10 h 35 min
